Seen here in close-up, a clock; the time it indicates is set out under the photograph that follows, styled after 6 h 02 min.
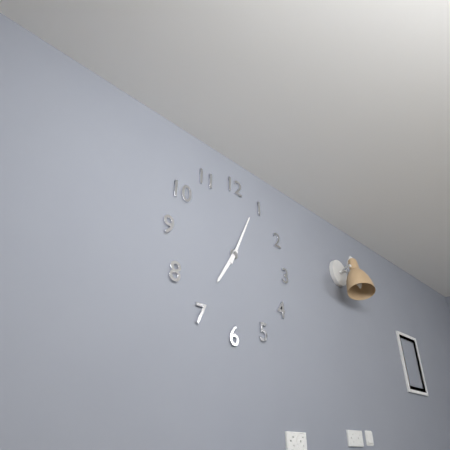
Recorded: 7 h 04 min
